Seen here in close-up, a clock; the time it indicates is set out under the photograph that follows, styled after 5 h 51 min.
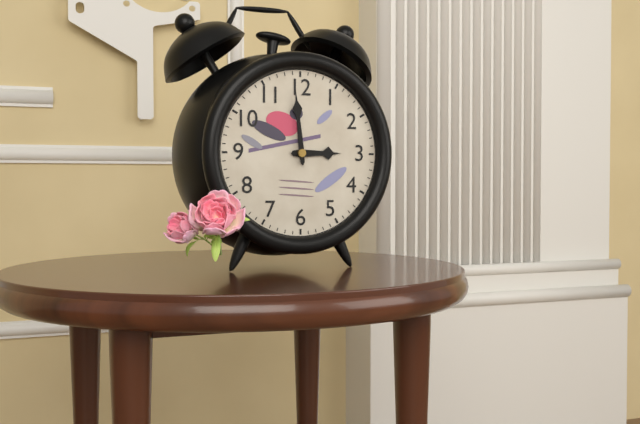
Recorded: 2 h 59 min
